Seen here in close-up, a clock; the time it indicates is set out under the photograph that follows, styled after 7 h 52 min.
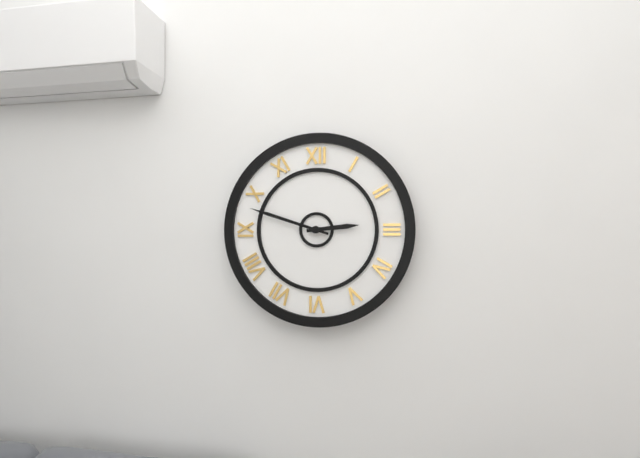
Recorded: 2 h 48 min
